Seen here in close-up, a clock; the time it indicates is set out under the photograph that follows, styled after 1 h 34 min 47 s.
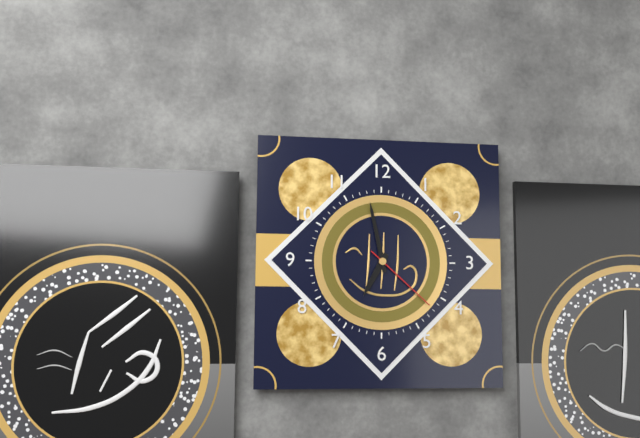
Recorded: 6 h 58 min 22 s
